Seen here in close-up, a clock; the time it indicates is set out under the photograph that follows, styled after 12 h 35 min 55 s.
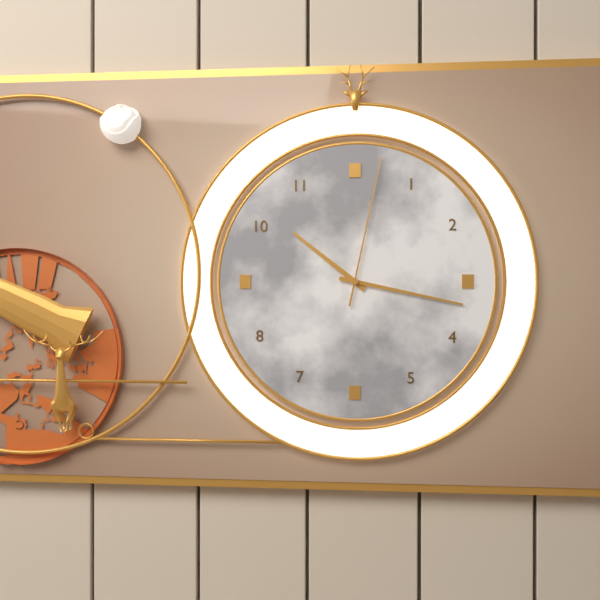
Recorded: 10 h 17 min 02 s
